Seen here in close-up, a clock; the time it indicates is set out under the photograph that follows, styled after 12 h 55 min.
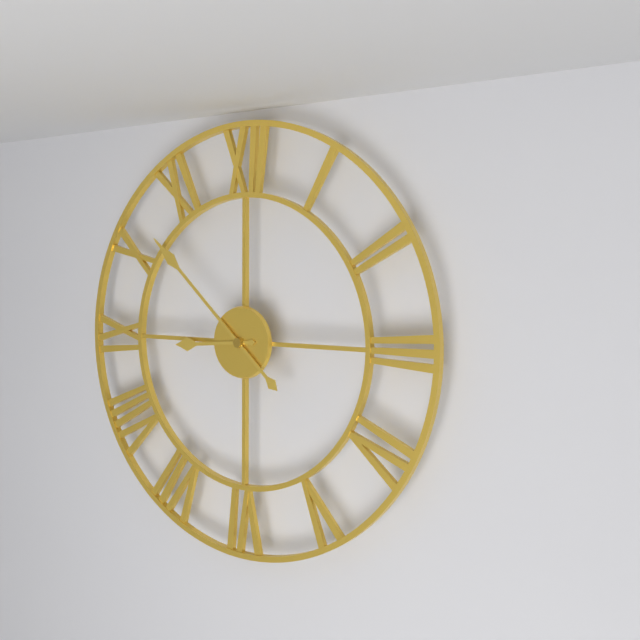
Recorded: 8 h 52 min
